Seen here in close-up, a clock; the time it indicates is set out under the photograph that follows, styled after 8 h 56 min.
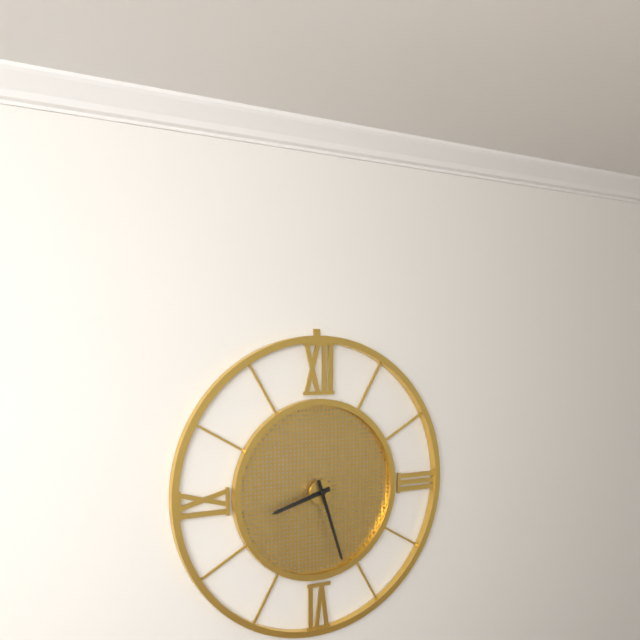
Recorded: 8 h 27 min
